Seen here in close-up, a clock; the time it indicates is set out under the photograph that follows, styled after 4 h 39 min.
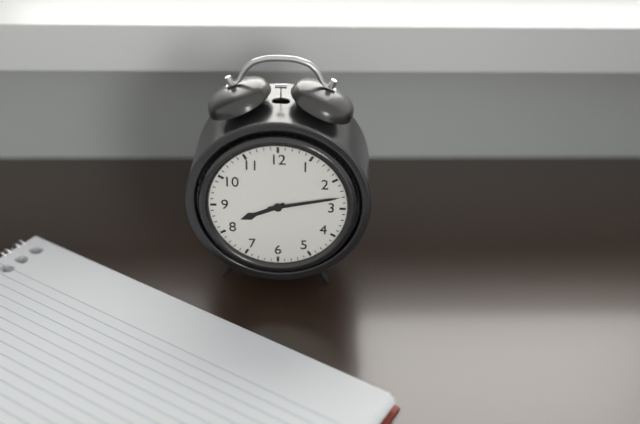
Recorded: 8 h 13 min
